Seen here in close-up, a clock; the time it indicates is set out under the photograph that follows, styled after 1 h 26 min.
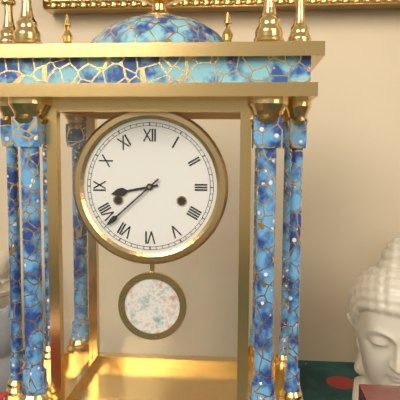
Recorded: 8 h 38 min
